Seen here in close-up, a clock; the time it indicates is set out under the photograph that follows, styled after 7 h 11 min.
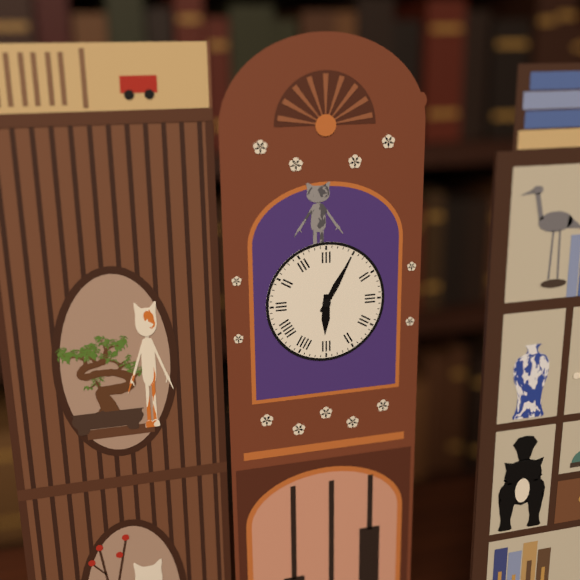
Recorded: 6 h 05 min
